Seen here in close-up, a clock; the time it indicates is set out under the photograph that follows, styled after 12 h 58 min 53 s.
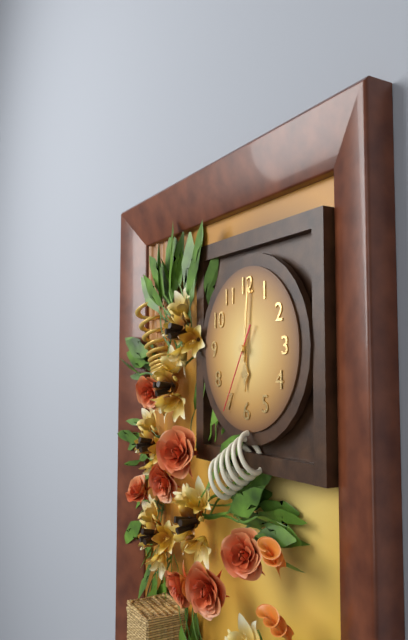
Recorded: 6 h 01 min 35 s
